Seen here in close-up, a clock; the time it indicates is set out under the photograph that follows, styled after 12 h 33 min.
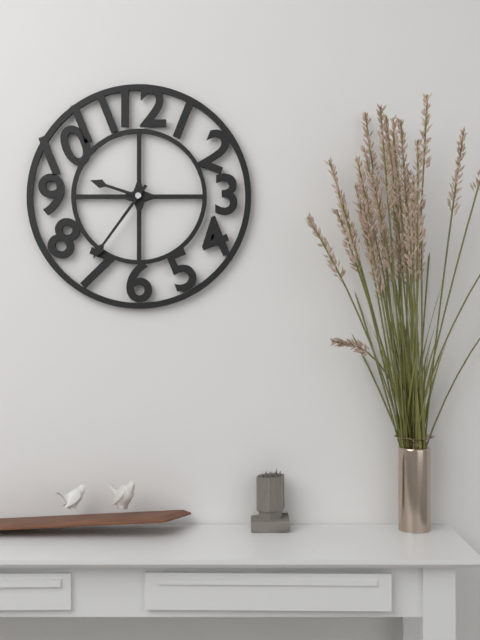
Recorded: 9 h 36 min
